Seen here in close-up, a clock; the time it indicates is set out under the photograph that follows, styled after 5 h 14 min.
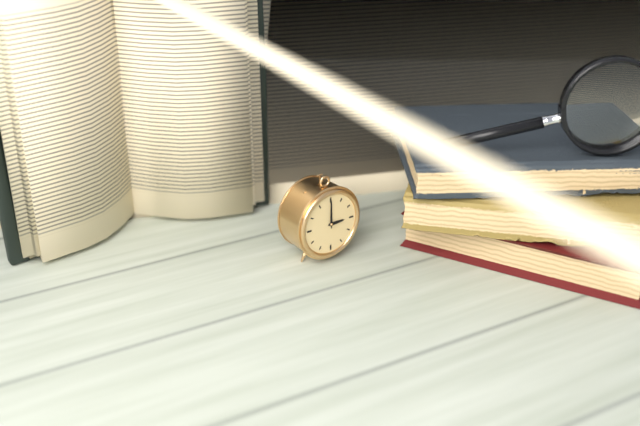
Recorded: 3 h 00 min
